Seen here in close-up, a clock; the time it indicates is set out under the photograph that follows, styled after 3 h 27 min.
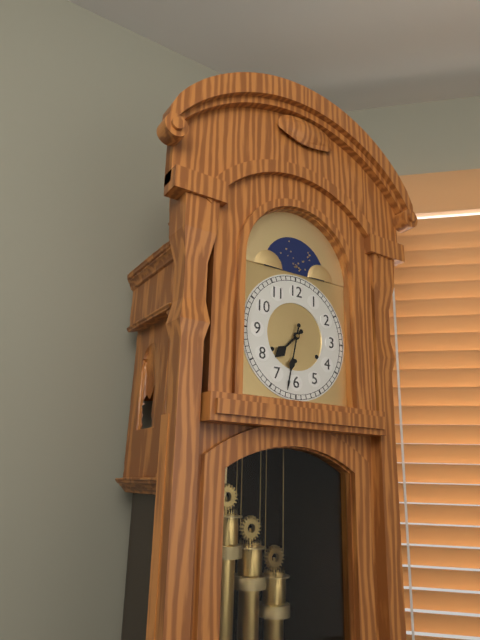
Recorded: 7 h 32 min
